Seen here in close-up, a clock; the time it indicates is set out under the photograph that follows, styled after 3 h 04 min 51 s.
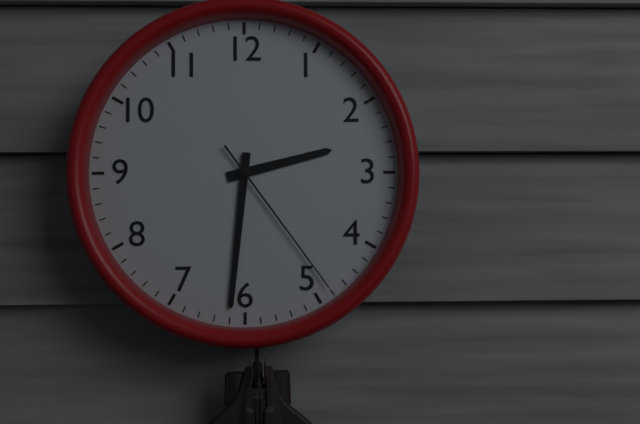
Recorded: 2 h 31 min 24 s
